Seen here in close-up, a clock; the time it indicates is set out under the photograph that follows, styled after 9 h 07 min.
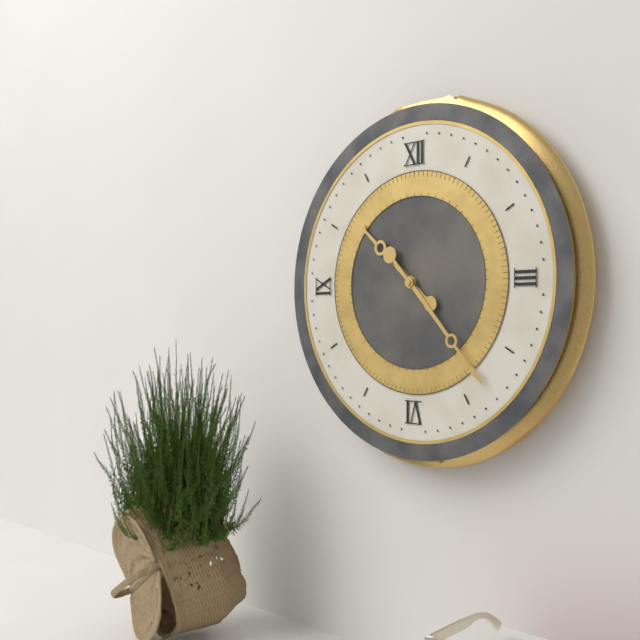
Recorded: 10 h 23 min
